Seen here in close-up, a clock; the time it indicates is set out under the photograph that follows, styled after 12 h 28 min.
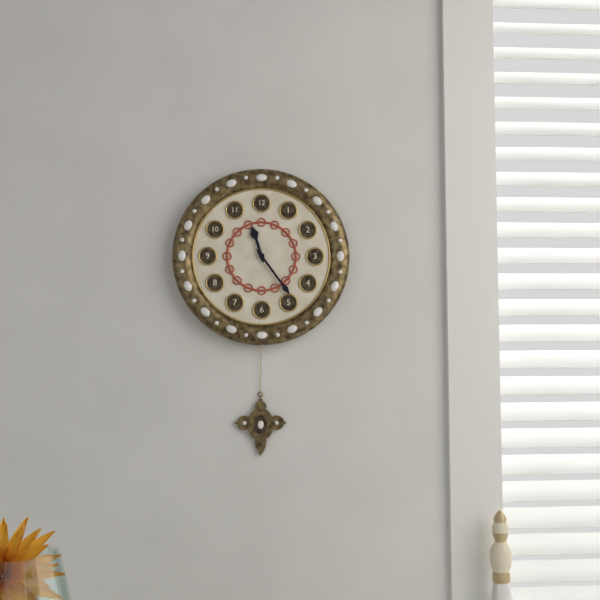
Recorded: 11 h 24 min
